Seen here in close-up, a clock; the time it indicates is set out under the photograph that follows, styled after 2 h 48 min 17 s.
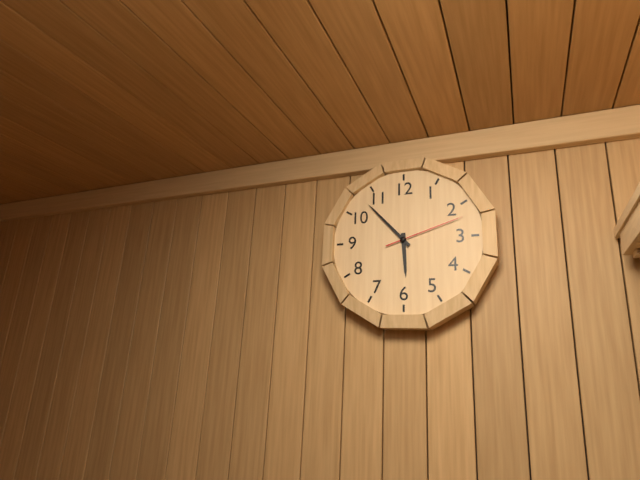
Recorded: 5 h 53 min 12 s
